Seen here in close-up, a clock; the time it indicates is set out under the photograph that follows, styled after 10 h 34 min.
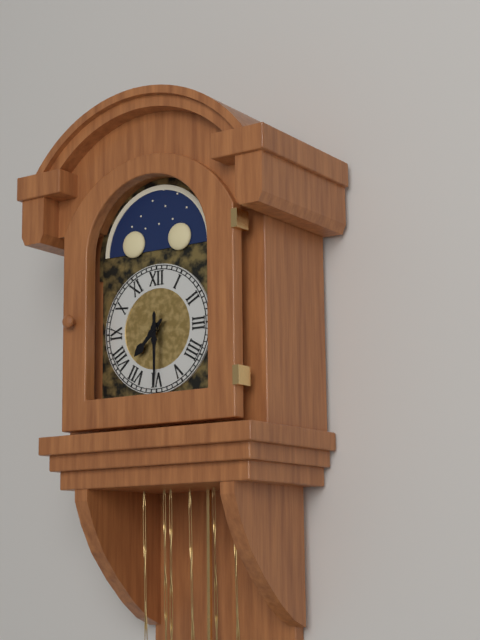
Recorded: 7 h 30 min
